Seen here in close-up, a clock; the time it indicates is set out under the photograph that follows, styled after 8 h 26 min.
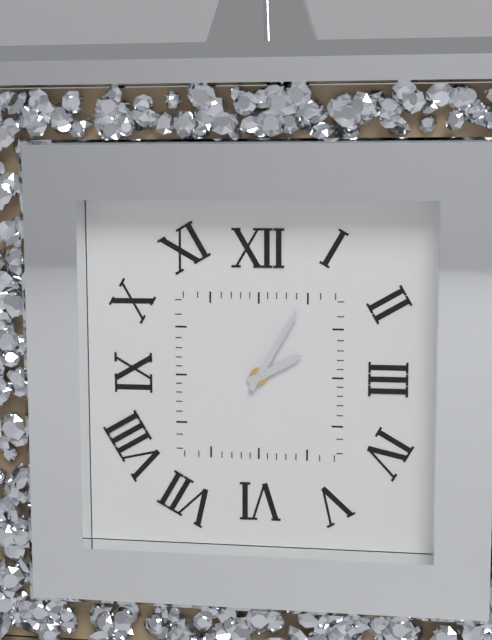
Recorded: 2 h 05 min
